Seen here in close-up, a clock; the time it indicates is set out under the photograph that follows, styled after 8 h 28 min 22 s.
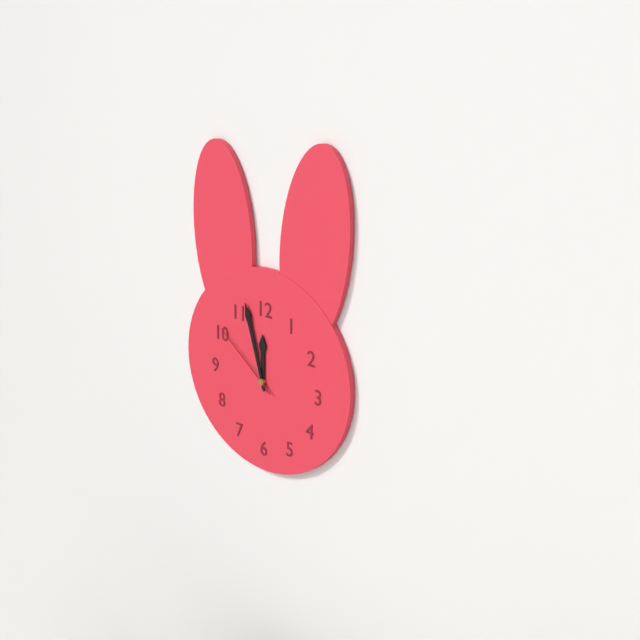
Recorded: 11 h 57 min 51 s
